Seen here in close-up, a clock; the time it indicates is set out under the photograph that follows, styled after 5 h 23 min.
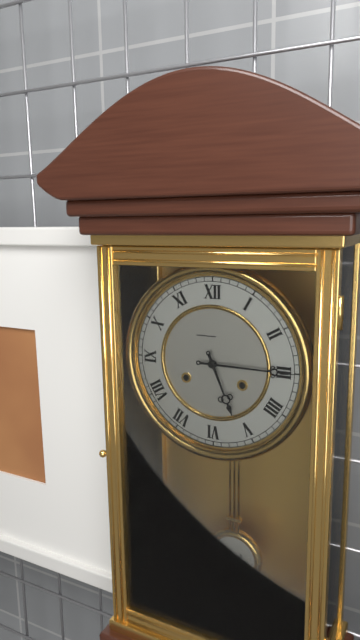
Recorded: 5 h 15 min
